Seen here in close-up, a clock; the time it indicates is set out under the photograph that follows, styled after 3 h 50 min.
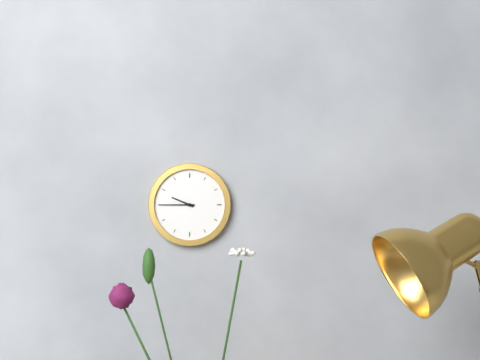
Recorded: 9 h 45 min
